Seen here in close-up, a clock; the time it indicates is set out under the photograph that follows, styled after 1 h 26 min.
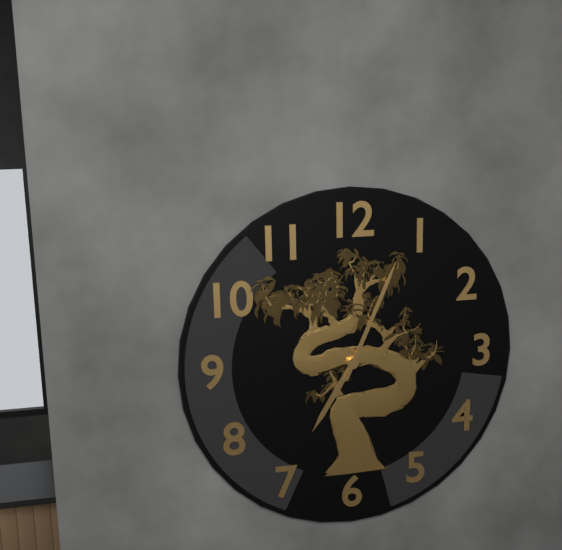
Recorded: 7 h 04 min
